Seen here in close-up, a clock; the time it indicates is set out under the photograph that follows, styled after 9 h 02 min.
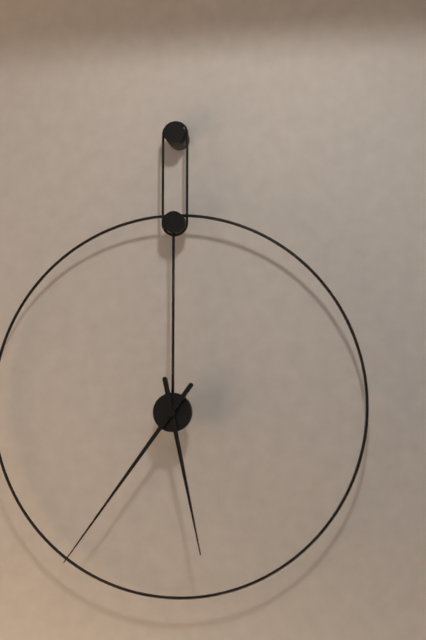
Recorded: 5 h 36 min
